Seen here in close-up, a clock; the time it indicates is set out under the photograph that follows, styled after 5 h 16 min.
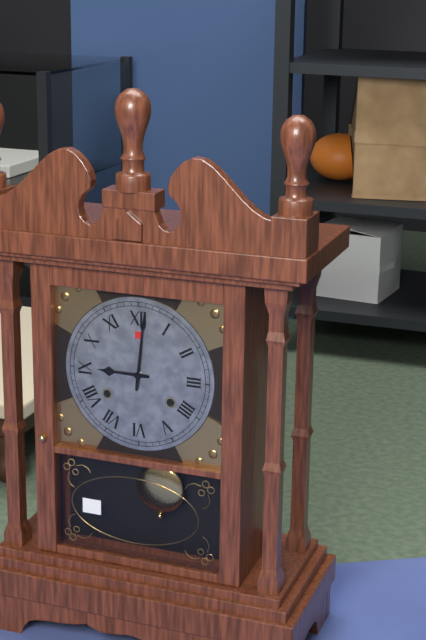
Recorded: 9 h 01 min
